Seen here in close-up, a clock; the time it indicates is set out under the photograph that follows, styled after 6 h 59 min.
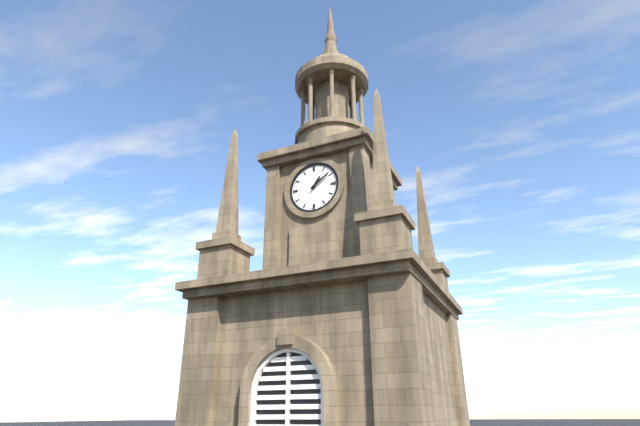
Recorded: 1 h 09 min
